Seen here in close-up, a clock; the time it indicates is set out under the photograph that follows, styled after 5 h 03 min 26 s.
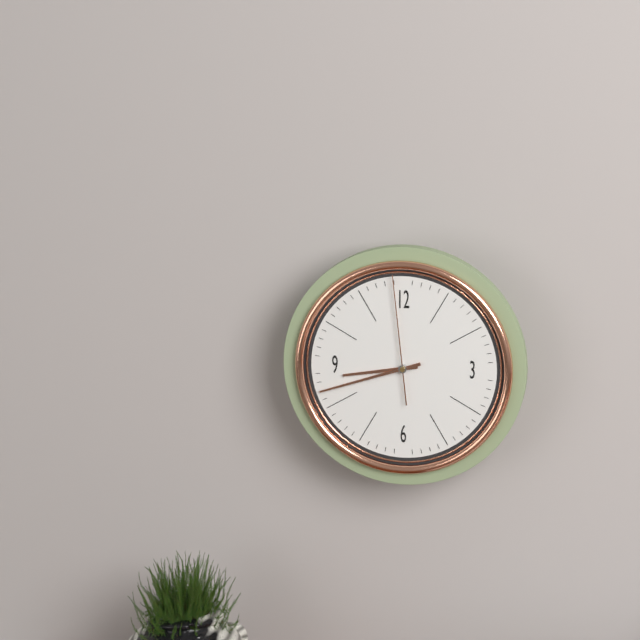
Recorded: 8 h 42 min 59 s
